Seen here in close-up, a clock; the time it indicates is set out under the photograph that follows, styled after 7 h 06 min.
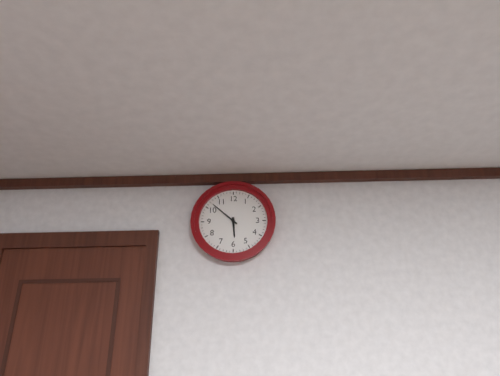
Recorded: 5 h 52 min
